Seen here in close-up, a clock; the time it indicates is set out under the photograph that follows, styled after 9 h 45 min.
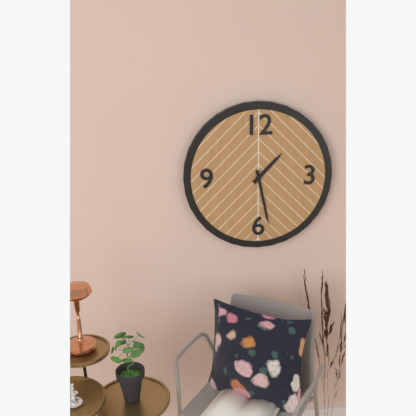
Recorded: 1 h 28 min
